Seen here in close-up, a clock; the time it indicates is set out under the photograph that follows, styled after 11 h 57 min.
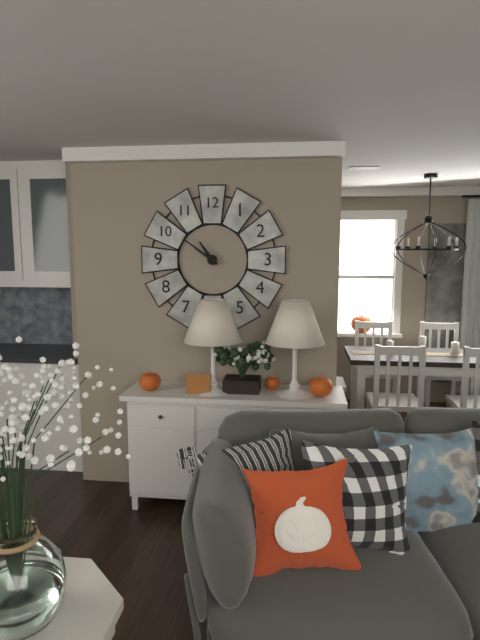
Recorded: 10 h 51 min
